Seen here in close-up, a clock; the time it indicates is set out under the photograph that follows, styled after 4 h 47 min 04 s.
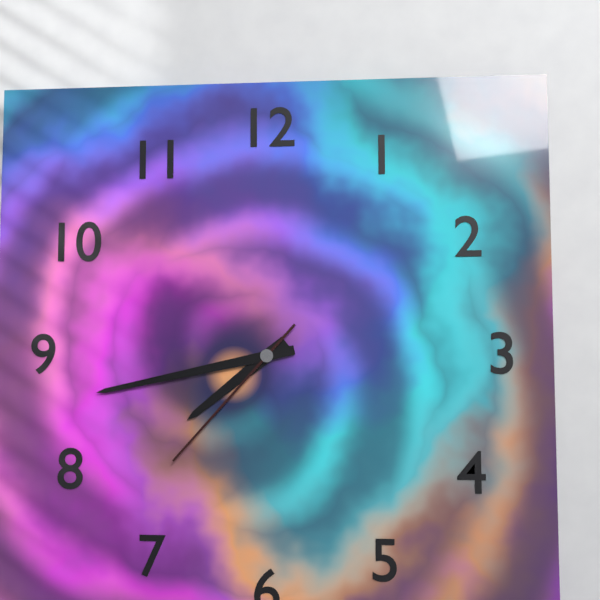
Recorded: 7 h 43 min 37 s
